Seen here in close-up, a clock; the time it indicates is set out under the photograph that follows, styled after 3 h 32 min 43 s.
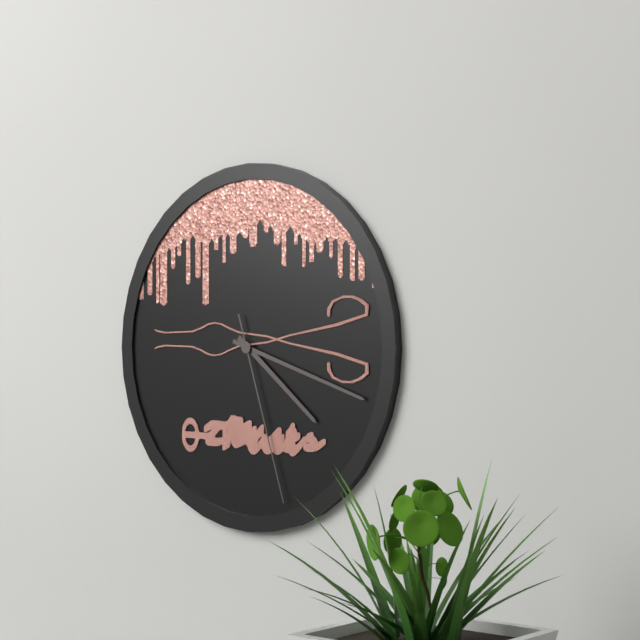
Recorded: 4 h 18 min 27 s
